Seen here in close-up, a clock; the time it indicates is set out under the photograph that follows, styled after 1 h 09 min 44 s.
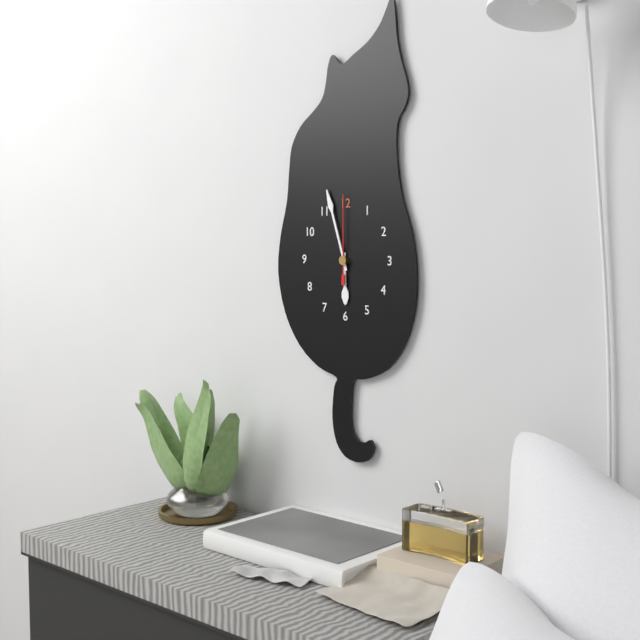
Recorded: 5 h 57 min 00 s
